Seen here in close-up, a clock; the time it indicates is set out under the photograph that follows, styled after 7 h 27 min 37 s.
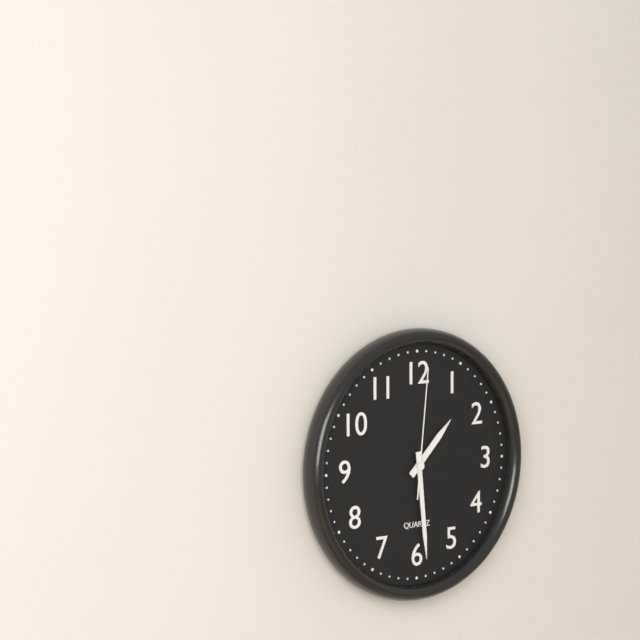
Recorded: 1 h 29 min 01 s
